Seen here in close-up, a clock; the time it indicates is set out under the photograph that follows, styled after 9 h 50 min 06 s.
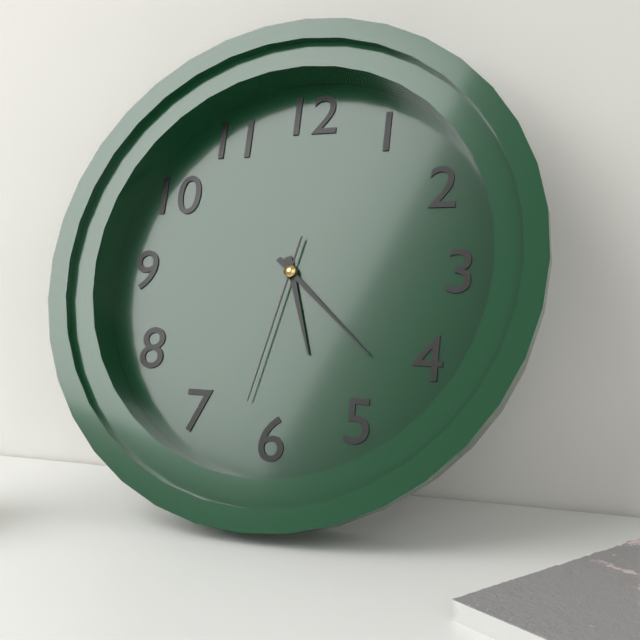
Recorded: 5 h 22 min 32 s
